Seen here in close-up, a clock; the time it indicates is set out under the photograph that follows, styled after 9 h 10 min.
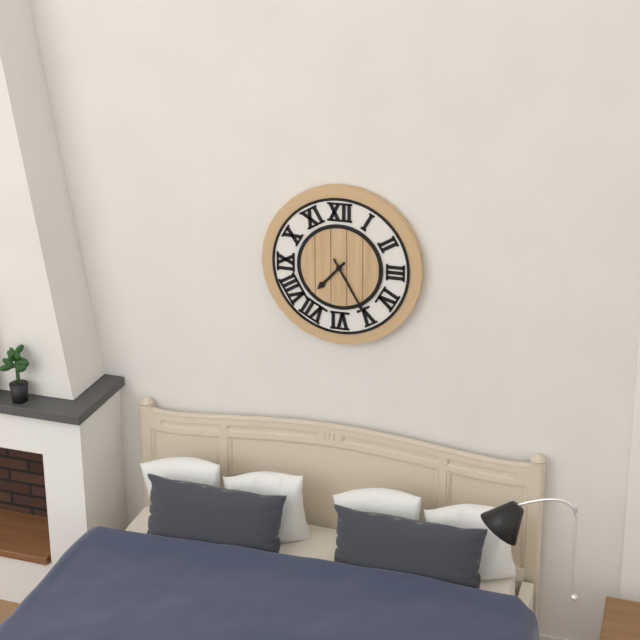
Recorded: 7 h 25 min
